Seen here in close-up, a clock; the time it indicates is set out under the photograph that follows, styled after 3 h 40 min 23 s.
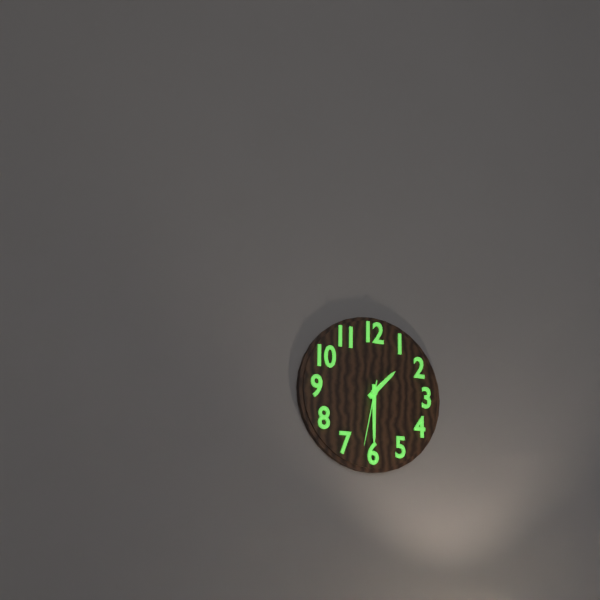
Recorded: 1 h 30 min 32 s
